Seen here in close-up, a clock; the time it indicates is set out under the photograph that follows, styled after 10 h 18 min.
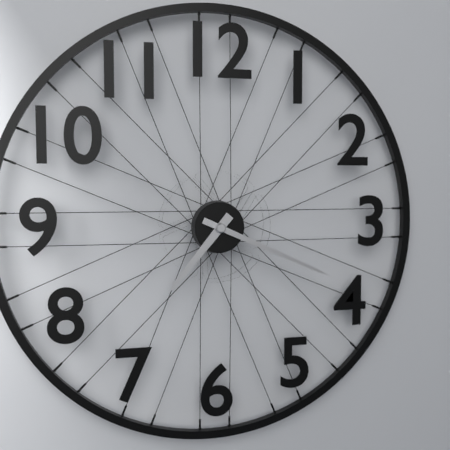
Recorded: 7 h 19 min
